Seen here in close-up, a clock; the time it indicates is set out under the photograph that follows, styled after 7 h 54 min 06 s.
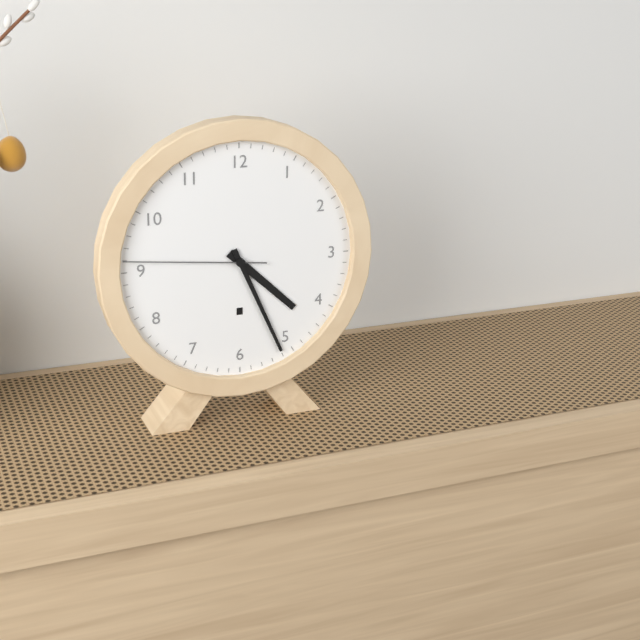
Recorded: 4 h 26 min 46 s
